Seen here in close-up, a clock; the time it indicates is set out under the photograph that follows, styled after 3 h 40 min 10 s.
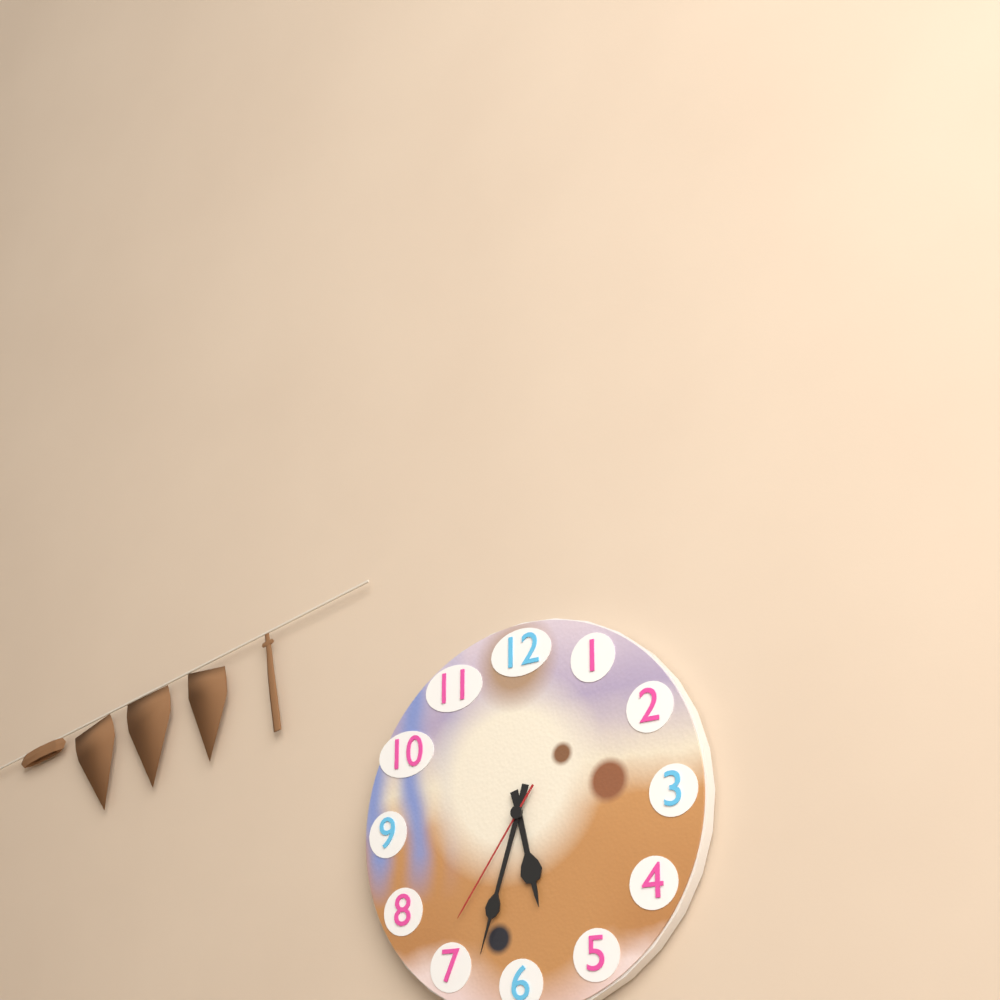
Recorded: 5 h 33 min 36 s
